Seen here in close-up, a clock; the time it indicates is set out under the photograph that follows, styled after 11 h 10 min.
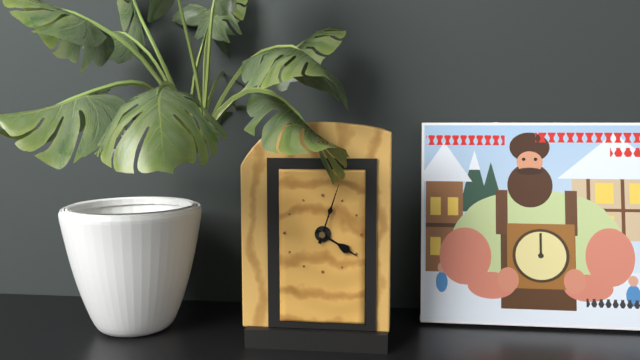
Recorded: 4 h 03 min
